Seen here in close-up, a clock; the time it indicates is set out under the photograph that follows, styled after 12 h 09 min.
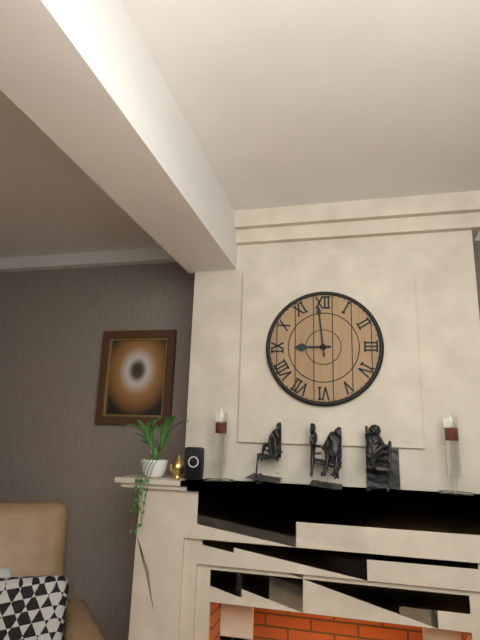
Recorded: 8 h 59 min
